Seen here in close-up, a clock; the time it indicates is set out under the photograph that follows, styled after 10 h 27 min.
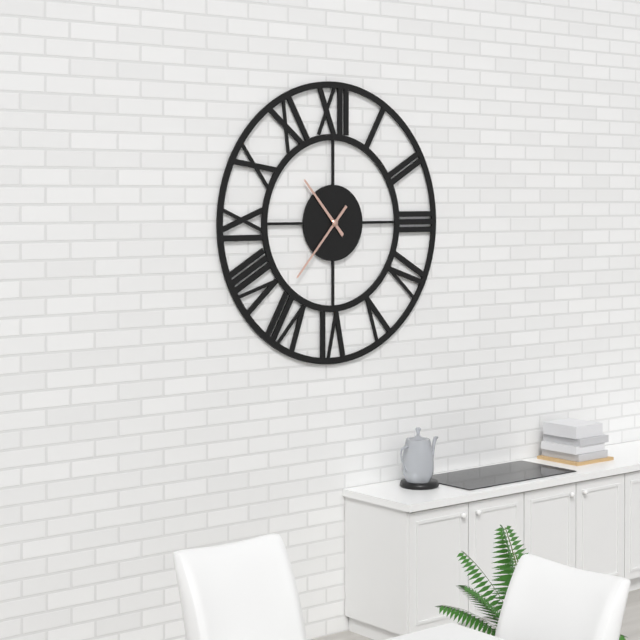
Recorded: 10 h 37 min
